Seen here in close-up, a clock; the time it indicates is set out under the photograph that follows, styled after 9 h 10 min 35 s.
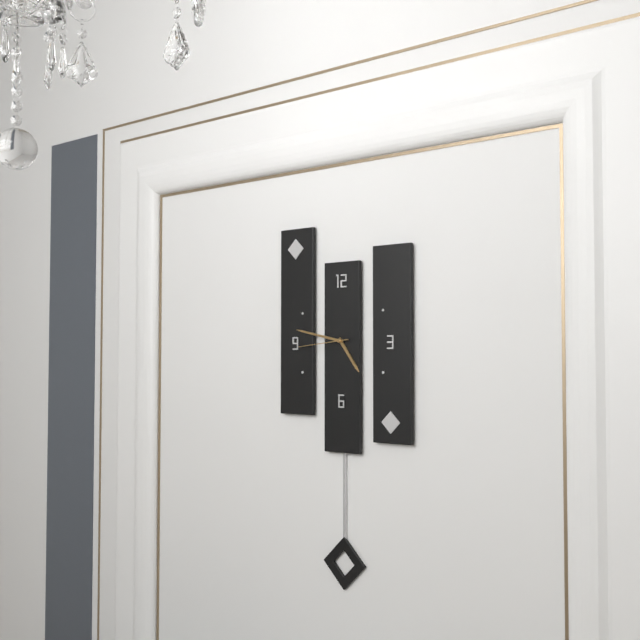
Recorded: 4 h 47 min 44 s
